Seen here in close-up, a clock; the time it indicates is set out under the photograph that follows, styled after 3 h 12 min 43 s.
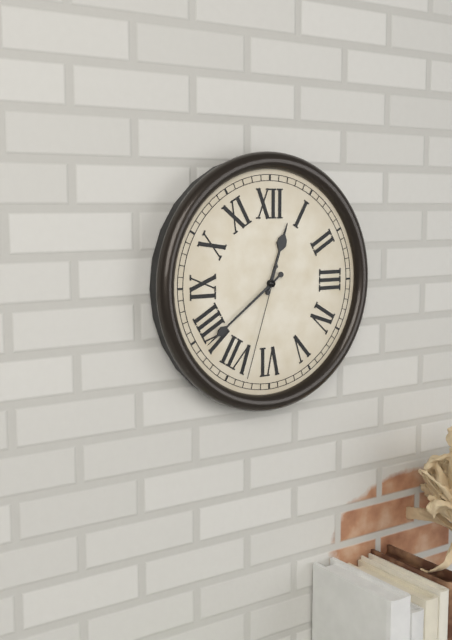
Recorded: 12 h 39 min 33 s
